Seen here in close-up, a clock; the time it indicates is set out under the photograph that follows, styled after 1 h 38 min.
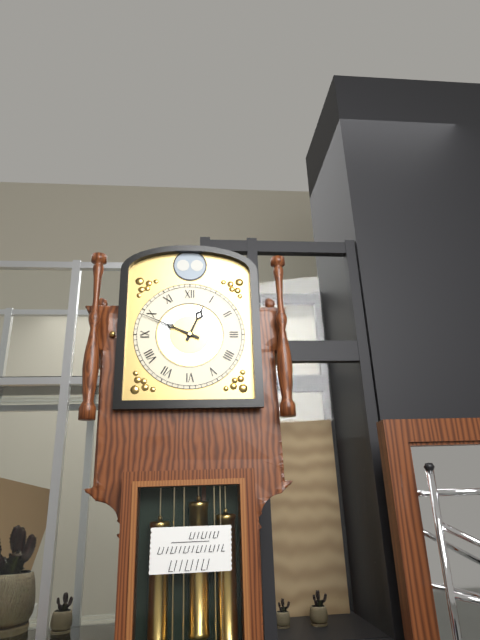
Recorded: 12 h 49 min
